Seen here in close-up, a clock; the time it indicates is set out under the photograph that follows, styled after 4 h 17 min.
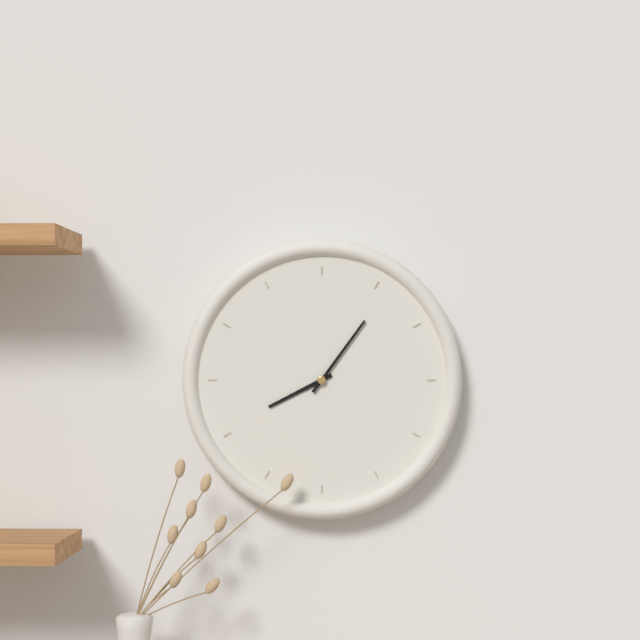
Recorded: 8 h 06 min
